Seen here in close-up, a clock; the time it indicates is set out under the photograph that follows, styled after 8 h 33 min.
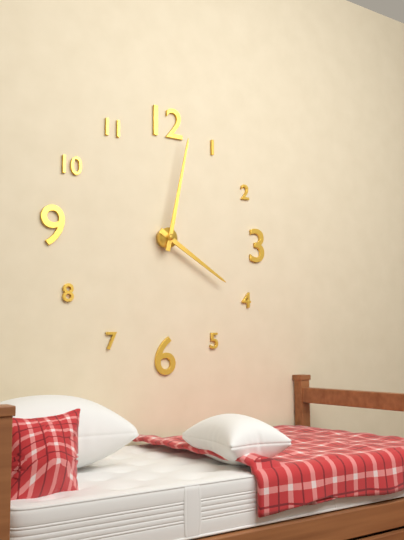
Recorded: 4 h 02 min
